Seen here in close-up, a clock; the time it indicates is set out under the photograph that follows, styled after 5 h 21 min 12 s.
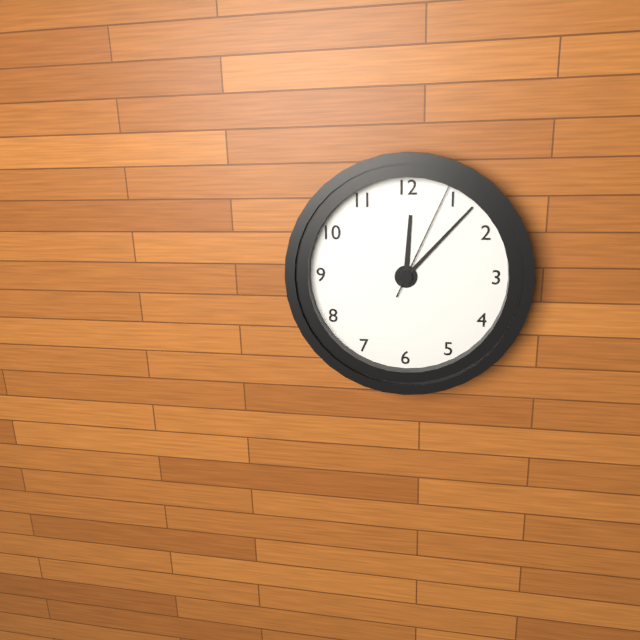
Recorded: 12 h 07 min 04 s
